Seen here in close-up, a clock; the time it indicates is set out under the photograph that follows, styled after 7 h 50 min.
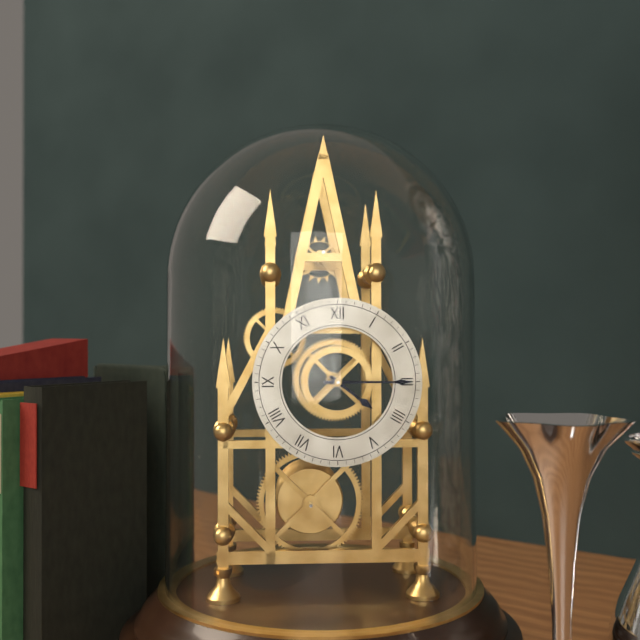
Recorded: 4 h 15 min
